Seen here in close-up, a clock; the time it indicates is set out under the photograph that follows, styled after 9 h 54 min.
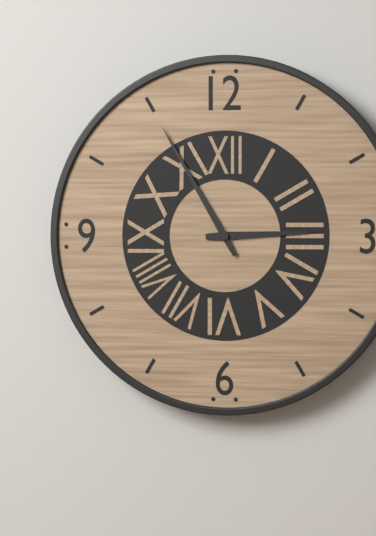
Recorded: 2 h 55 min
